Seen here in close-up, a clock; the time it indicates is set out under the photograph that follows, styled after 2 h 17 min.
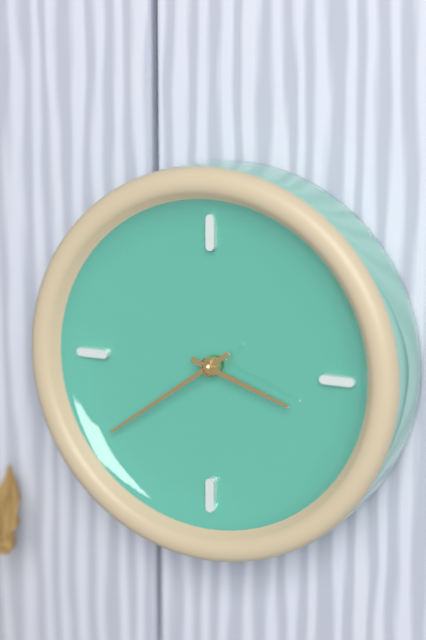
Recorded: 3 h 39 min
